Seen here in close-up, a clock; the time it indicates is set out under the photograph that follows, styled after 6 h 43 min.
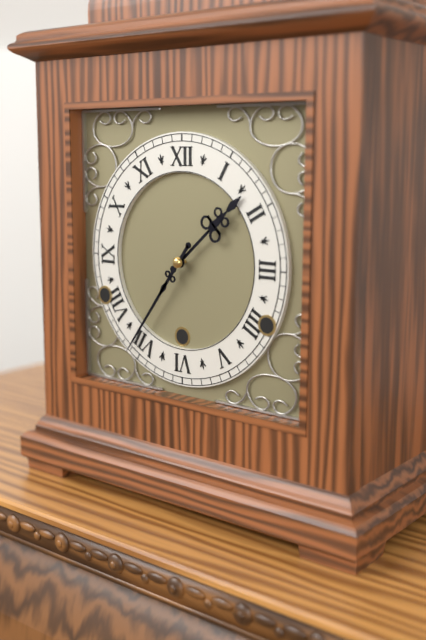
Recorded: 1 h 36 min
